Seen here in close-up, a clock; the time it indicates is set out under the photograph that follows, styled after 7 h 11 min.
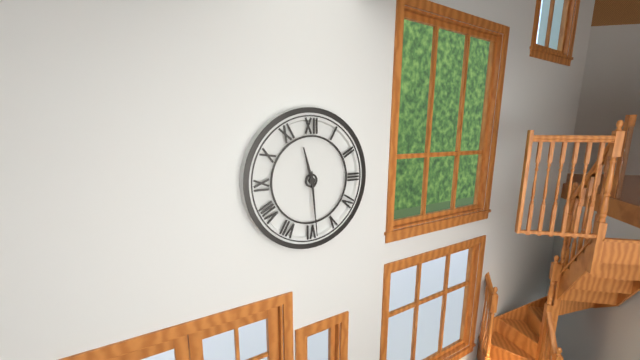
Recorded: 11 h 29 min
